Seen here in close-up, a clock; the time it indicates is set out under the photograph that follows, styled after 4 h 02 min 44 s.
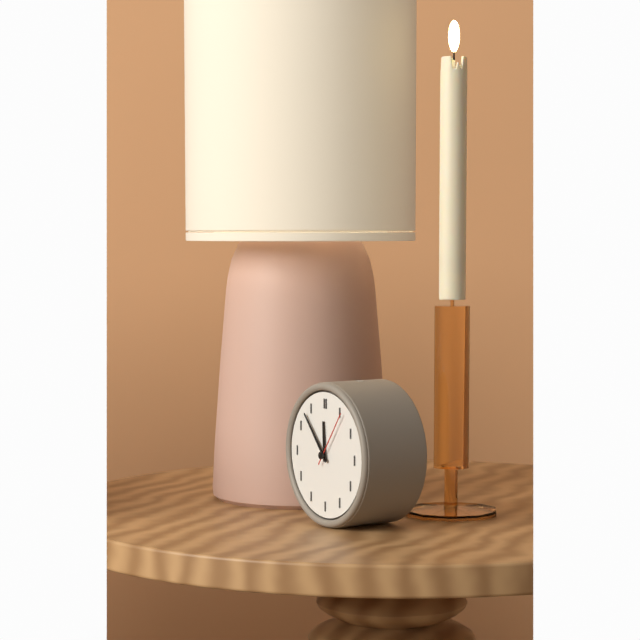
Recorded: 11 h 53 min 06 s
